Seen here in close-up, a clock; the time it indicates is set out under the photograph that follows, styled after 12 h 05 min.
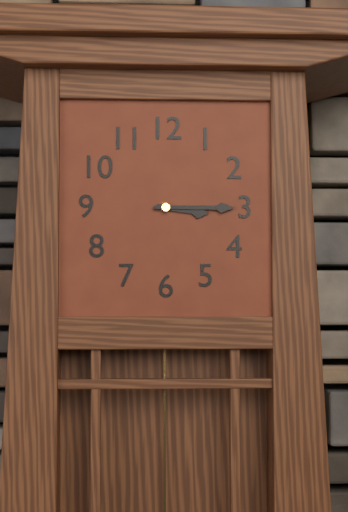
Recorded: 3 h 15 min
